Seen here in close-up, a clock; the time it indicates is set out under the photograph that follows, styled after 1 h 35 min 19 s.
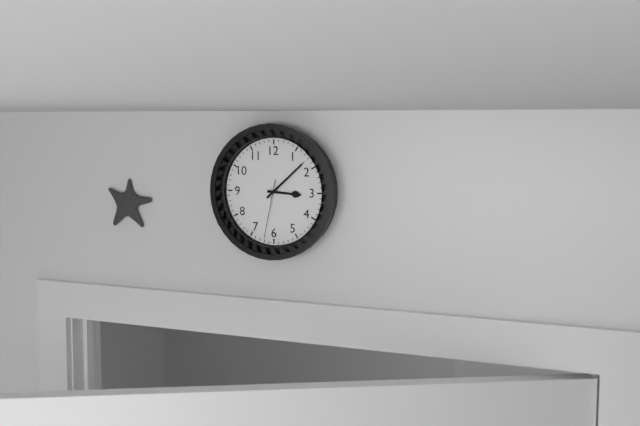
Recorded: 3 h 08 min 32 s
